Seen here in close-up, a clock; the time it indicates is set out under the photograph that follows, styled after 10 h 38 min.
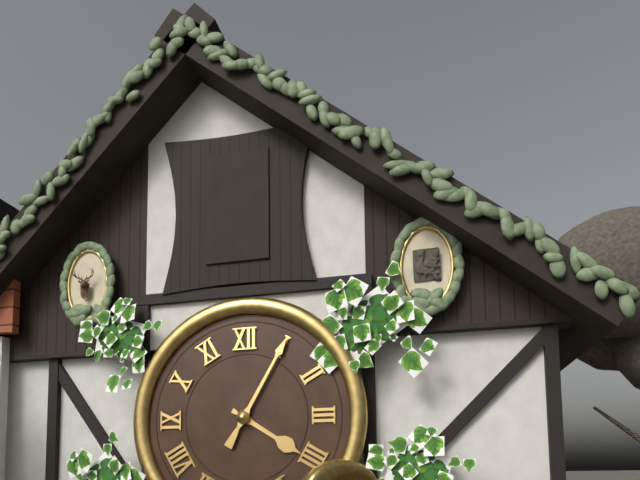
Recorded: 4 h 05 min
